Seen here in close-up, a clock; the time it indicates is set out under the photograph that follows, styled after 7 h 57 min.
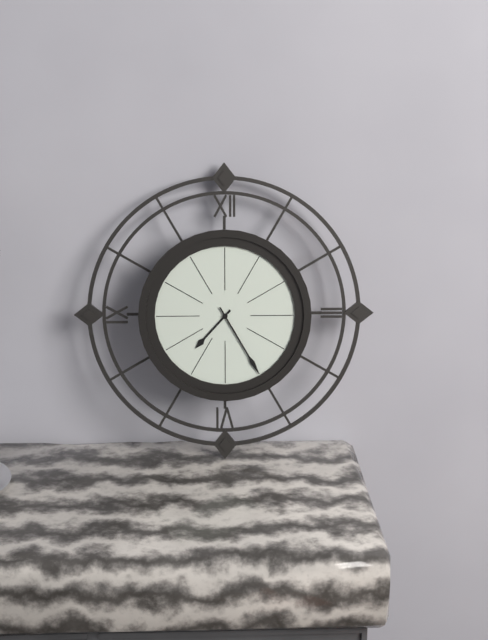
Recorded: 7 h 25 min
